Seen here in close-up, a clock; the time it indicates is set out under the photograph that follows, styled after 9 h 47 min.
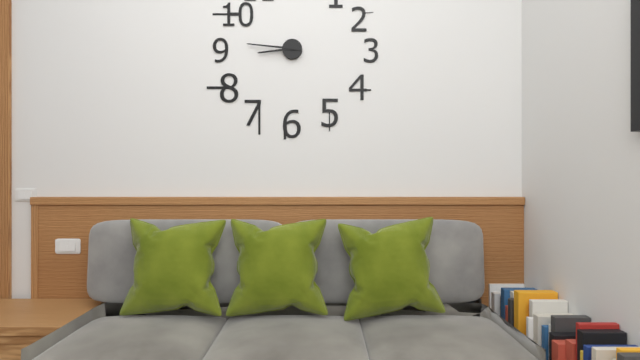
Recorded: 8 h 46 min
